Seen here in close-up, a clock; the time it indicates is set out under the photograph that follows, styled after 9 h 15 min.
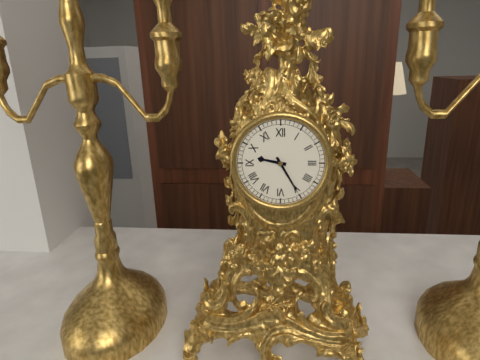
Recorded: 9 h 25 min
